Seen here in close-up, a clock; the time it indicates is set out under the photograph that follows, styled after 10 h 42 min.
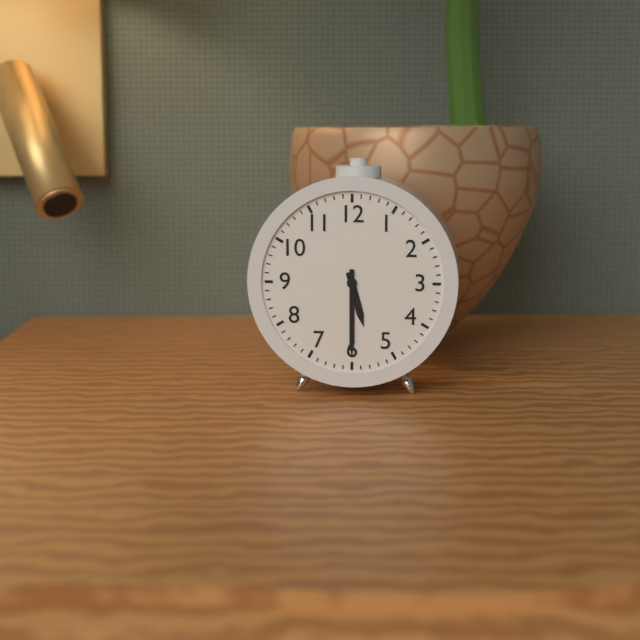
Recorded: 5 h 30 min
